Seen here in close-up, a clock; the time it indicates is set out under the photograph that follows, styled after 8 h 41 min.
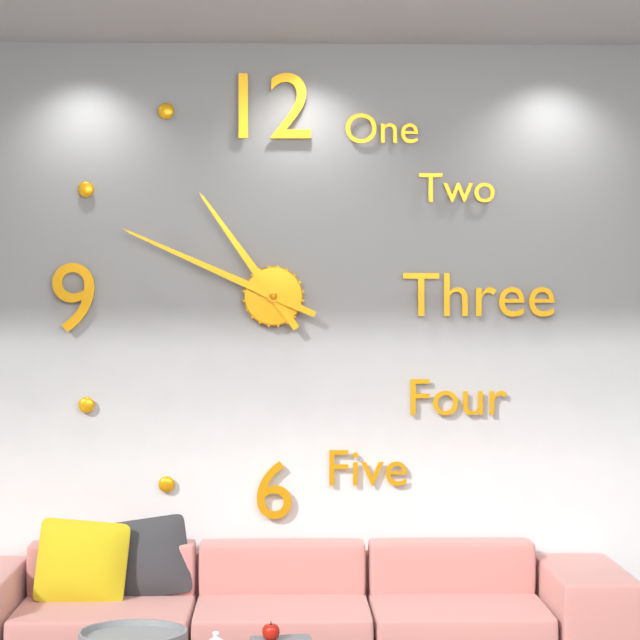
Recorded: 10 h 49 min
